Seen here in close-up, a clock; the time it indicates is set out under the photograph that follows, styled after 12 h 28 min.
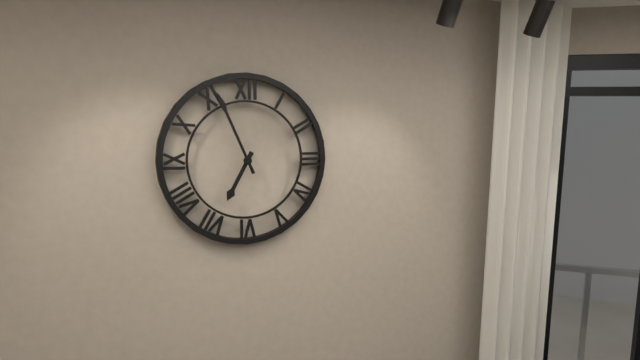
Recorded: 6 h 56 min
